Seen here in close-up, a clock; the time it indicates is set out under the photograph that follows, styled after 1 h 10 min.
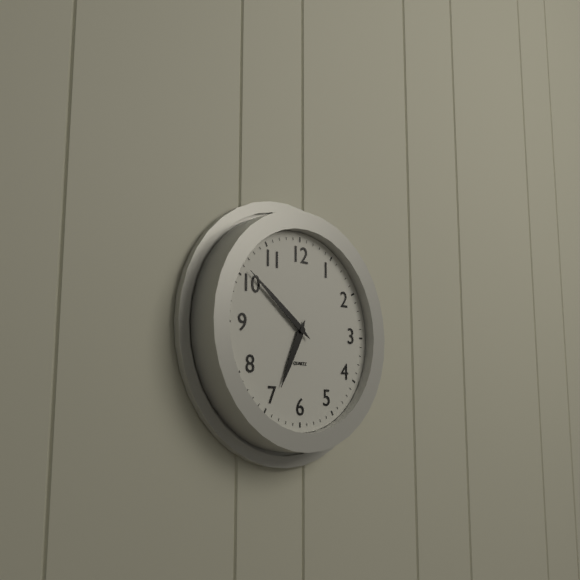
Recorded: 6 h 51 min
